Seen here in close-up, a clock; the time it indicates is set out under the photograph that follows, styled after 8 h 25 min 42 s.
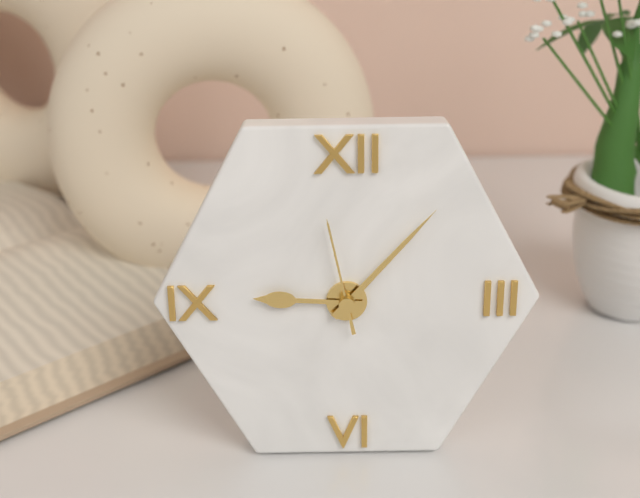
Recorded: 9 h 07 min 58 s
